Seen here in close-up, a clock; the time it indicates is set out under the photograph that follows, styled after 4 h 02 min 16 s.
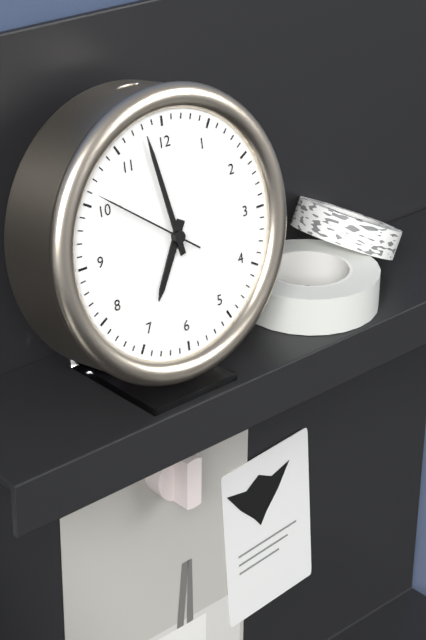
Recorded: 6 h 58 min 51 s
